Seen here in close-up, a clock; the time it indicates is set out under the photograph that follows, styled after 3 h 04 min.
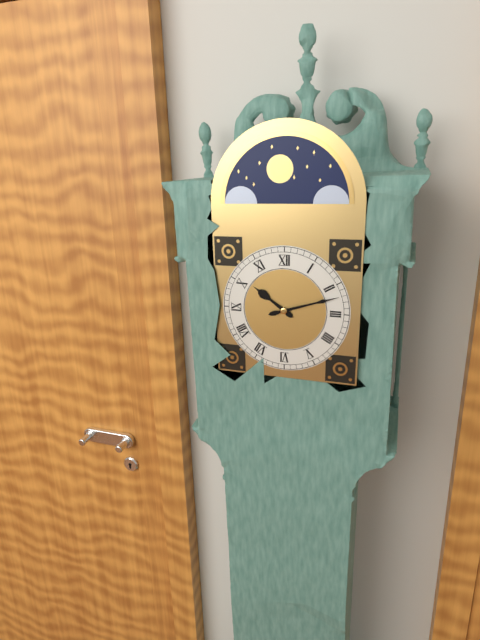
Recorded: 10 h 12 min
